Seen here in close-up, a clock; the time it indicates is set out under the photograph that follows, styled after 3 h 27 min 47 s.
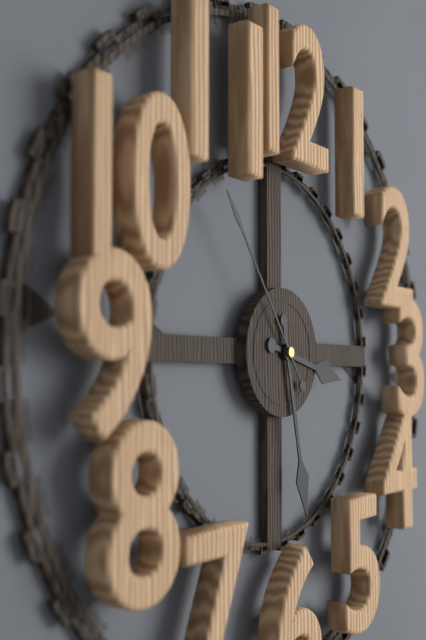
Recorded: 3 h 28 min 54 s
